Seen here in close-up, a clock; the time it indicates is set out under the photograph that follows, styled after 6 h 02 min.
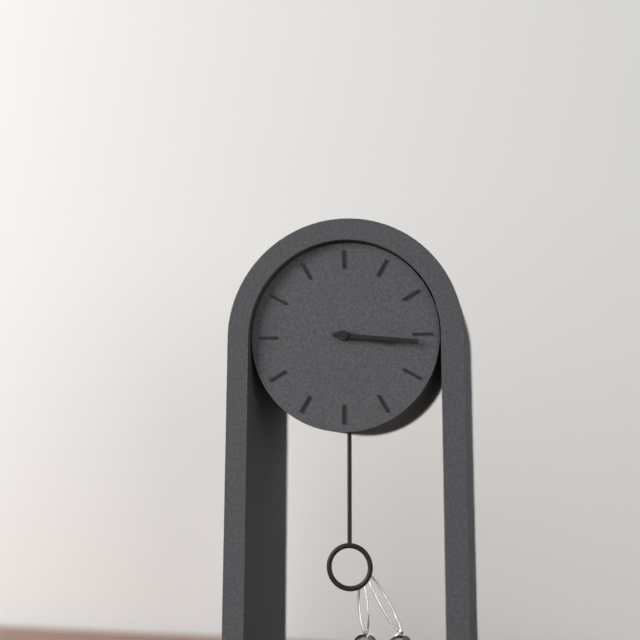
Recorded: 3 h 16 min
